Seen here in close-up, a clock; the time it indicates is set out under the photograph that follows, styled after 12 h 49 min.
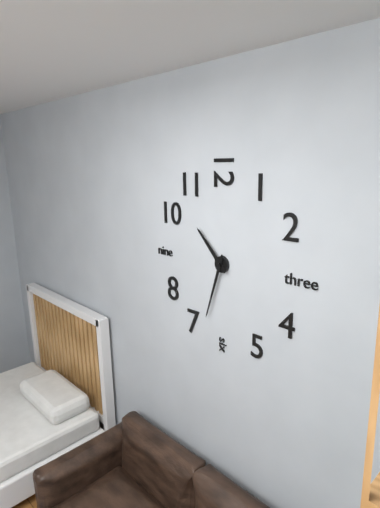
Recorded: 10 h 33 min
